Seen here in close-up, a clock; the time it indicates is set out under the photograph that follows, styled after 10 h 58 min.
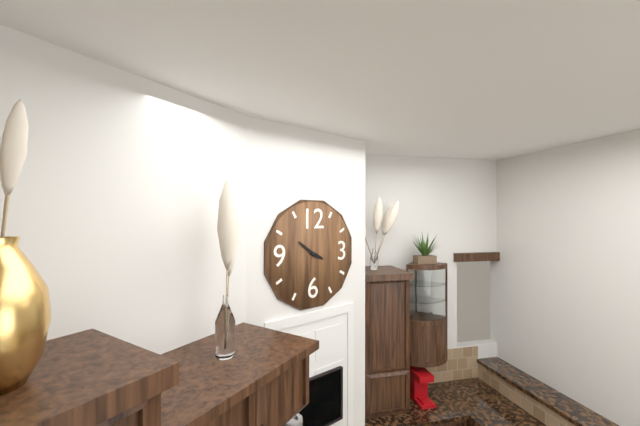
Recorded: 3 h 51 min
